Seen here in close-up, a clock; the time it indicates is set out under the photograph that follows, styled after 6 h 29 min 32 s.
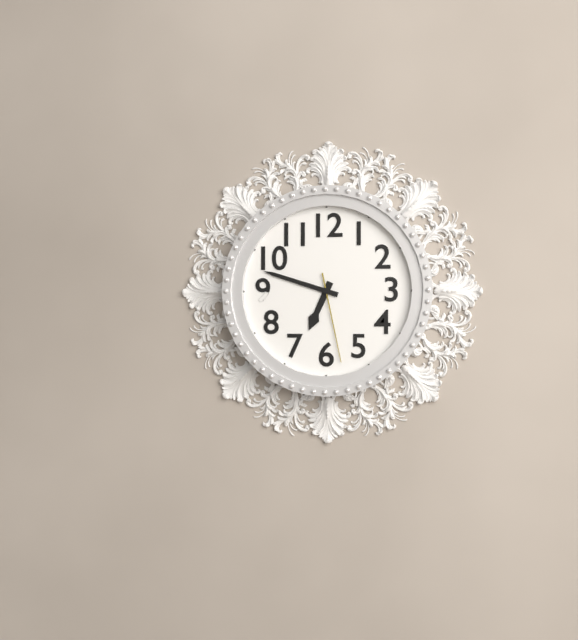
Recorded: 6 h 48 min 28 s
